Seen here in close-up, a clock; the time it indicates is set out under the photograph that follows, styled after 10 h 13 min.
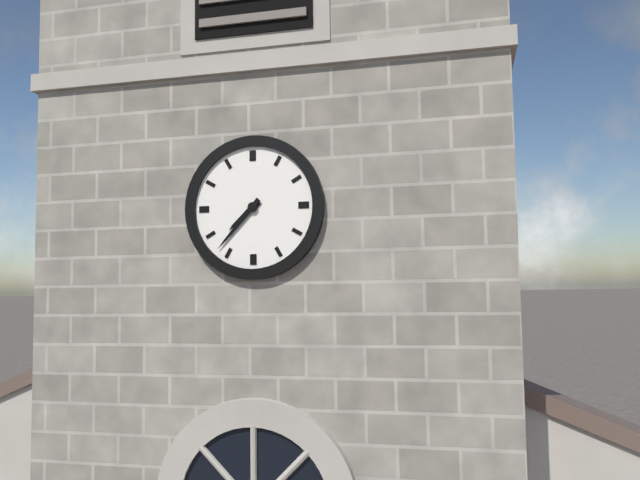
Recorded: 7 h 37 min
